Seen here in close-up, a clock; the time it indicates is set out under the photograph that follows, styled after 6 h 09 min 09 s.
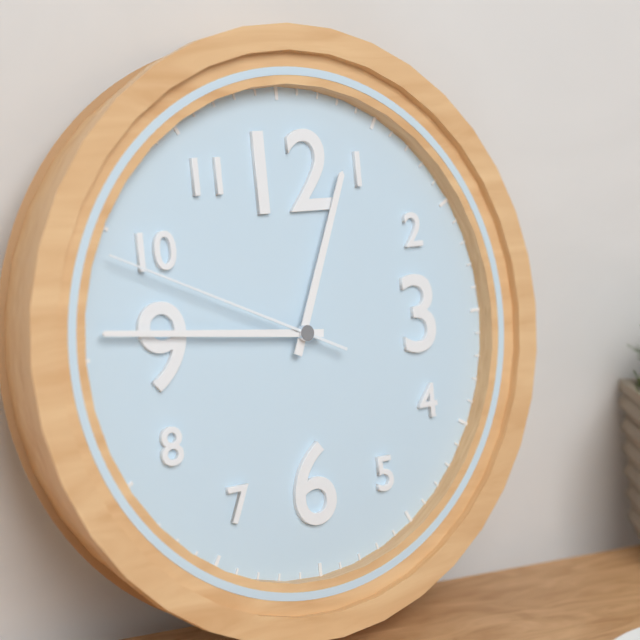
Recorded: 12 h 46 min 49 s
